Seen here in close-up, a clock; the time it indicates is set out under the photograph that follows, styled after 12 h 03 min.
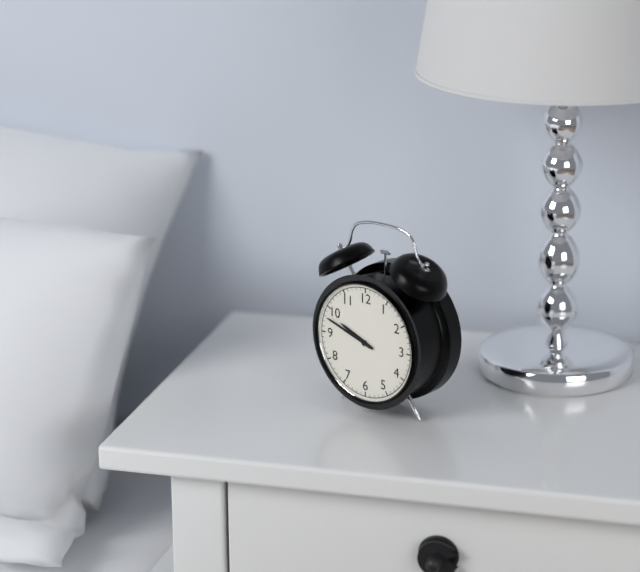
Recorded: 9 h 48 min
